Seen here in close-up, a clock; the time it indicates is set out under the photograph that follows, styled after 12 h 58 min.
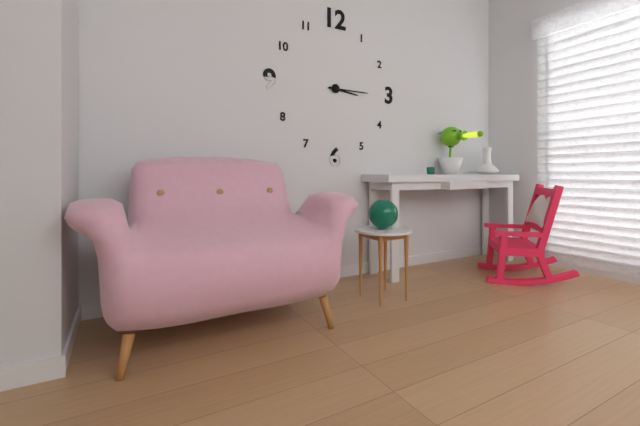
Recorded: 3 h 15 min
